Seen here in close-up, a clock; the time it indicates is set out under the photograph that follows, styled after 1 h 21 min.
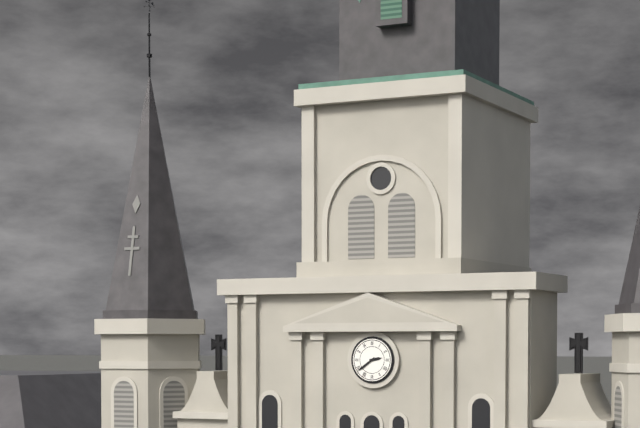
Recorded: 2 h 39 min
